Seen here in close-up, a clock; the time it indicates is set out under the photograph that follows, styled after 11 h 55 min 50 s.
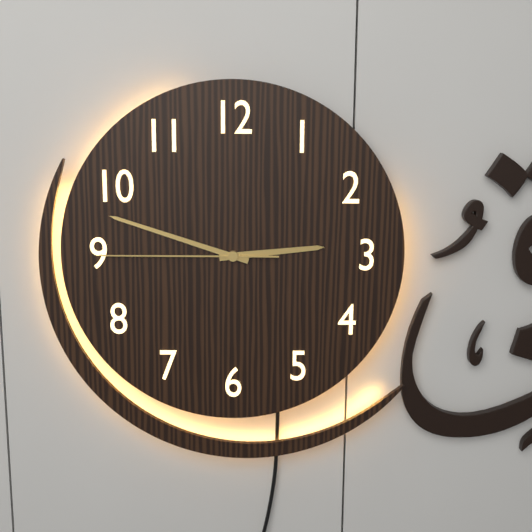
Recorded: 2 h 48 min 45 s
